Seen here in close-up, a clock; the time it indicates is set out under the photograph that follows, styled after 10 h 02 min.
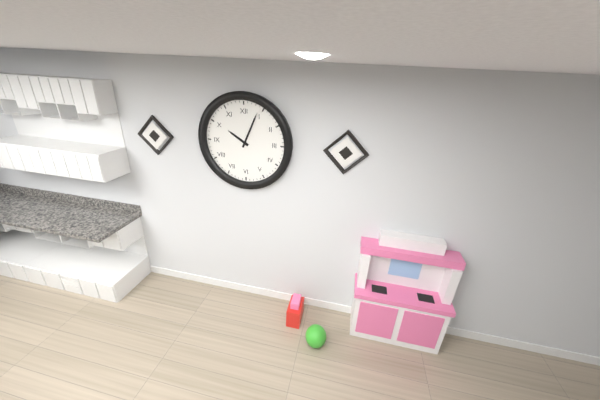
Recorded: 10 h 04 min
